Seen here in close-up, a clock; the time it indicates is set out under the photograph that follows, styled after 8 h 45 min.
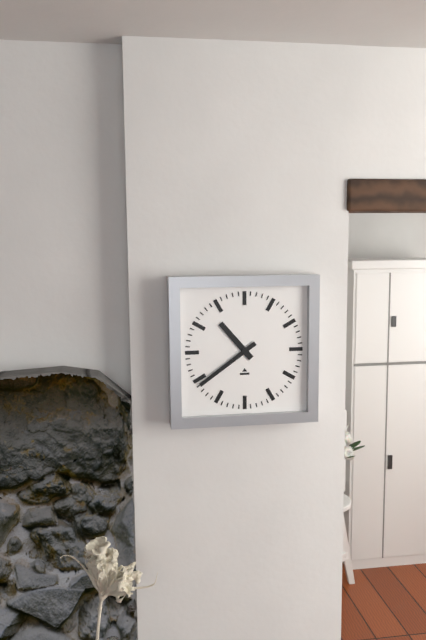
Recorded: 10 h 39 min
